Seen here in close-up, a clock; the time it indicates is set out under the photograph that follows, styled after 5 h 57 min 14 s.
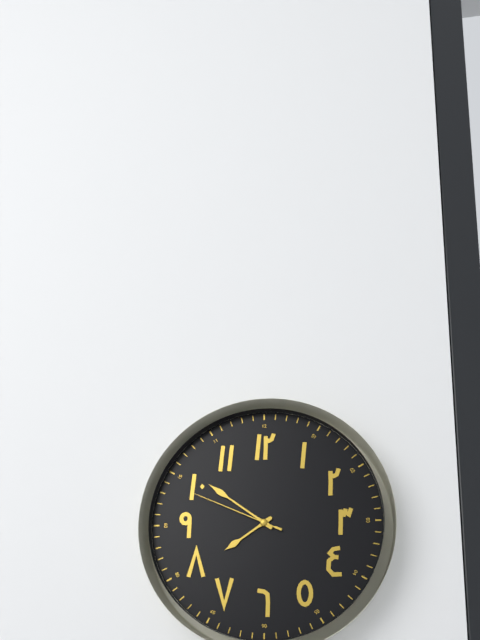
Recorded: 7 h 51 min 49 s
